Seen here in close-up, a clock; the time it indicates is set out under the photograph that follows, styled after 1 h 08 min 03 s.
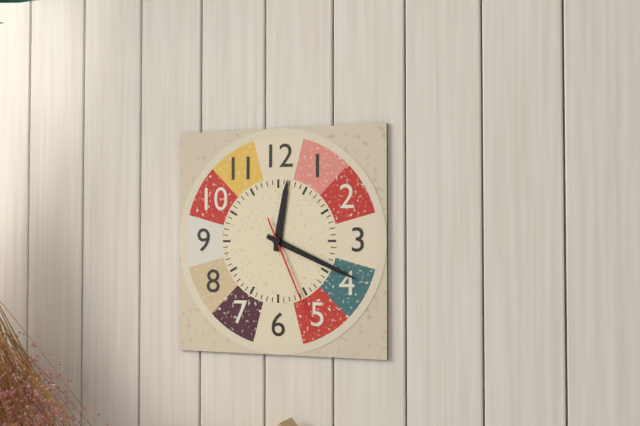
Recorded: 12 h 19 min 26 s
